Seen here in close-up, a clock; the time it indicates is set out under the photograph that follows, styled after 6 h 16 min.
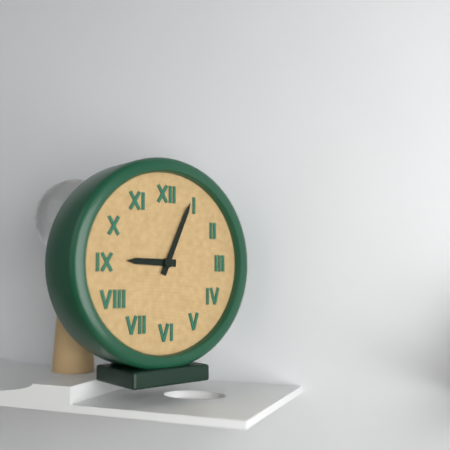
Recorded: 9 h 04 min
